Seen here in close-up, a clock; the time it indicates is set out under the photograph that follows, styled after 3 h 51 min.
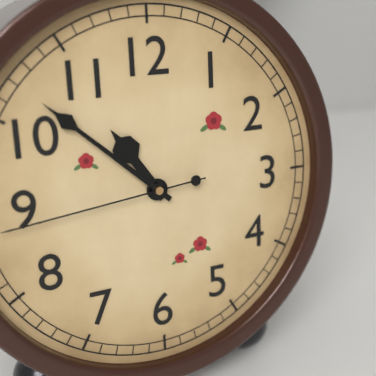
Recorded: 10 h 52 min
